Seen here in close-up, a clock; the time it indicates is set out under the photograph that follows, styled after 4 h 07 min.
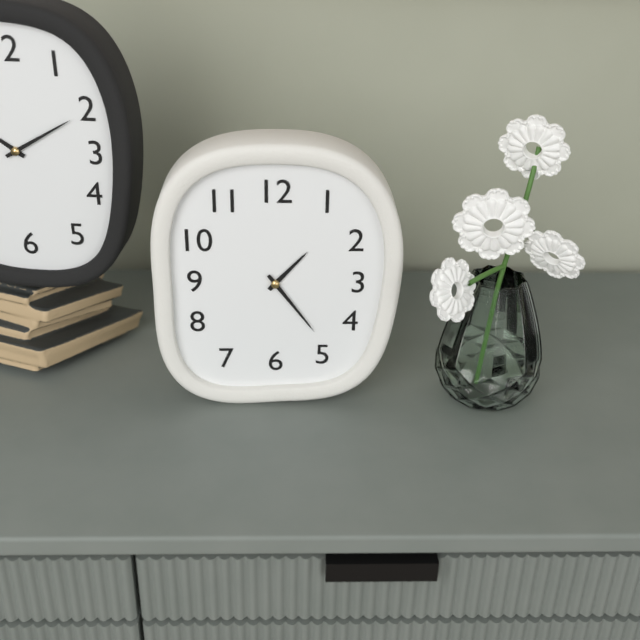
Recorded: 1 h 24 min
